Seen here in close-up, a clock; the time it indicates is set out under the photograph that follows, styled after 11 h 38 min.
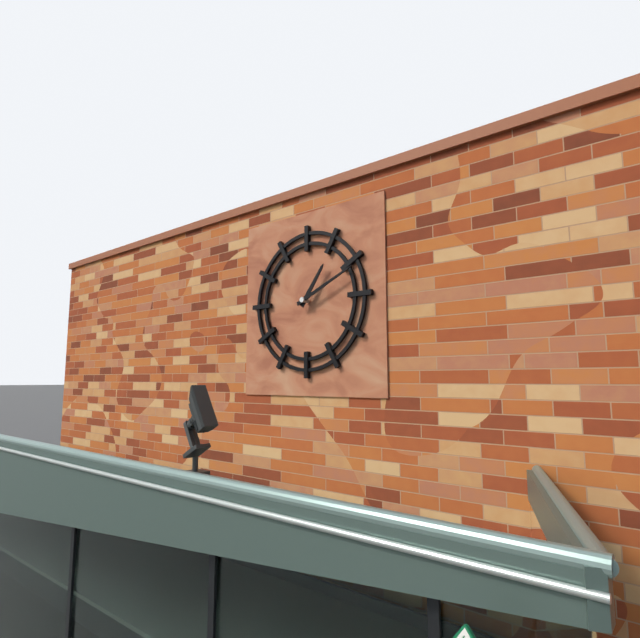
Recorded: 1 h 11 min
